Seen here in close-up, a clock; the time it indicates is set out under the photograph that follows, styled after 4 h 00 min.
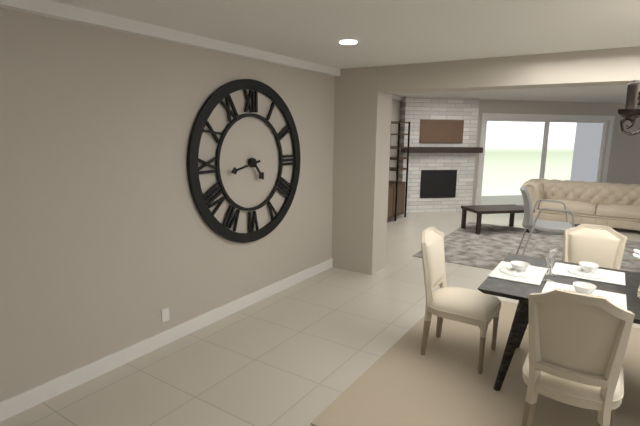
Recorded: 4 h 43 min
